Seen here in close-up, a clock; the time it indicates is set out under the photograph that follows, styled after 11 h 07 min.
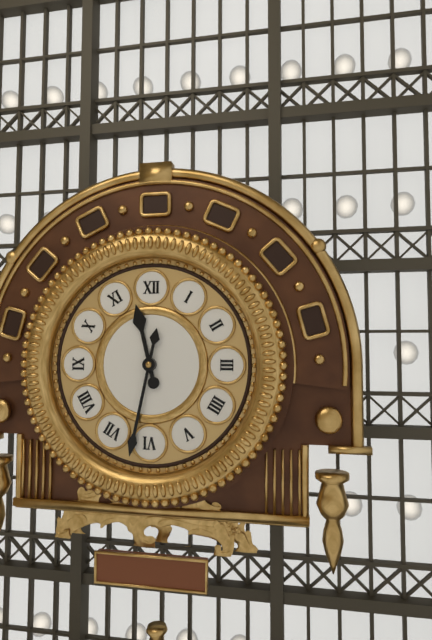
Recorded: 11 h 32 min
